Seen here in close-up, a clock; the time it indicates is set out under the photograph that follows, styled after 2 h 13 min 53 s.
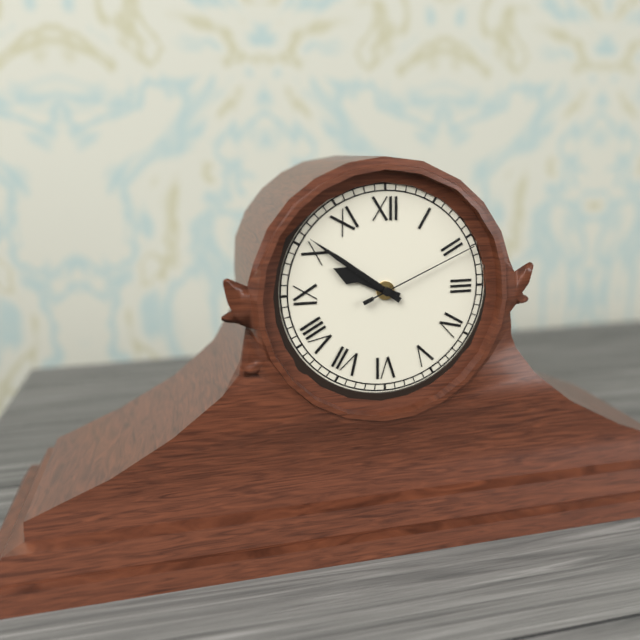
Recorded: 9 h 51 min 11 s
